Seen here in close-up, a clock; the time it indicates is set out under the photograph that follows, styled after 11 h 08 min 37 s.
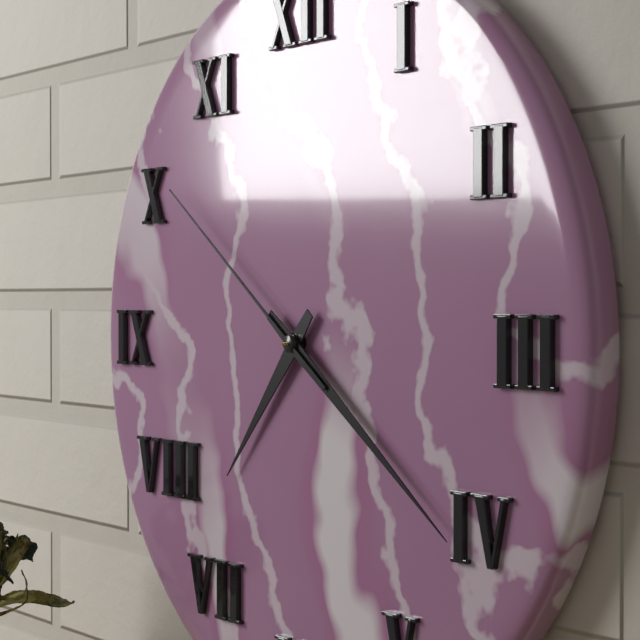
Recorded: 7 h 21 min 51 s
